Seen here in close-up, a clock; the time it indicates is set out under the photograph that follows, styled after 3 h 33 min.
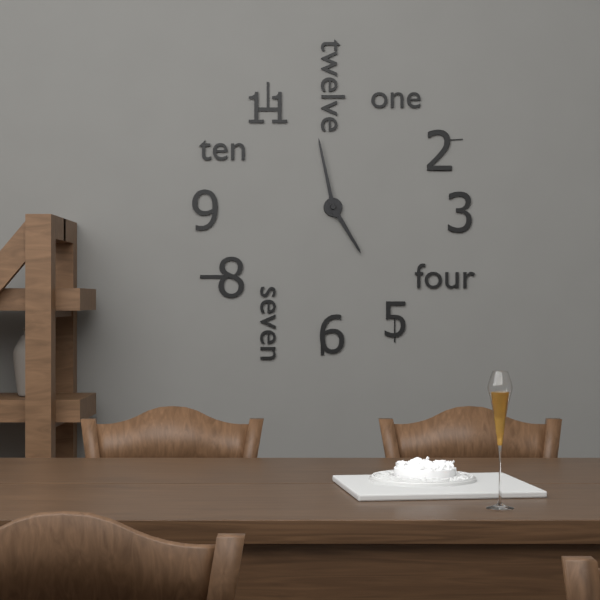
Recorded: 4 h 58 min
